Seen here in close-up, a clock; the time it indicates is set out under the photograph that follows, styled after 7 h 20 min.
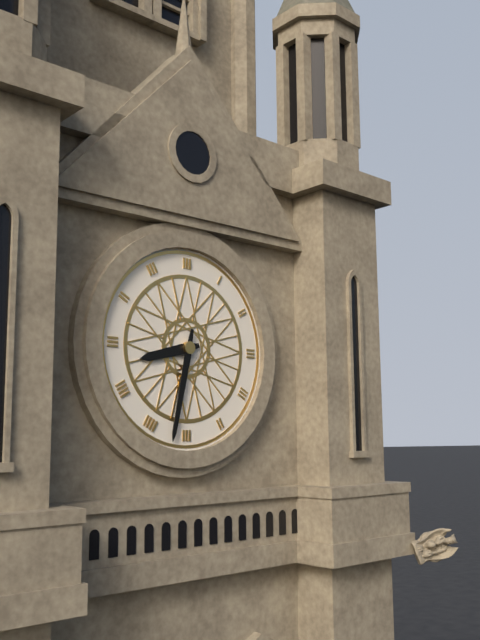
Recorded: 8 h 32 min
